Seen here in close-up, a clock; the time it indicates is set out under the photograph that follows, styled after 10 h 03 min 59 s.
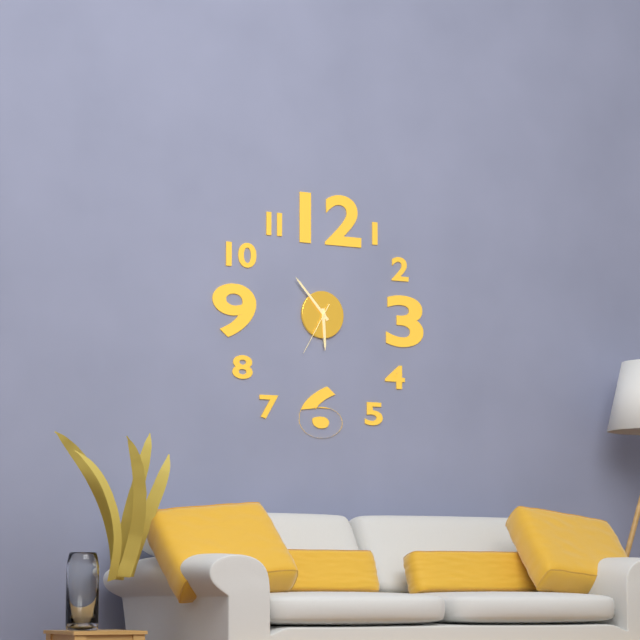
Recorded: 5 h 53 min 35 s
